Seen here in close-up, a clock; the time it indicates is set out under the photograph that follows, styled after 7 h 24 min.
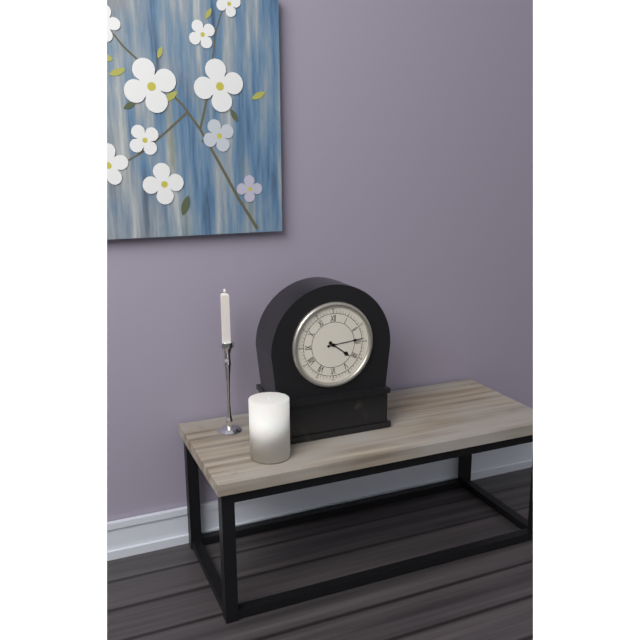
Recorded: 4 h 14 min
